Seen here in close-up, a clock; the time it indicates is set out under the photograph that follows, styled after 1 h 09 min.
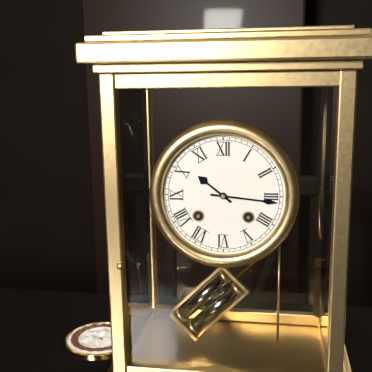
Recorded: 10 h 16 min
